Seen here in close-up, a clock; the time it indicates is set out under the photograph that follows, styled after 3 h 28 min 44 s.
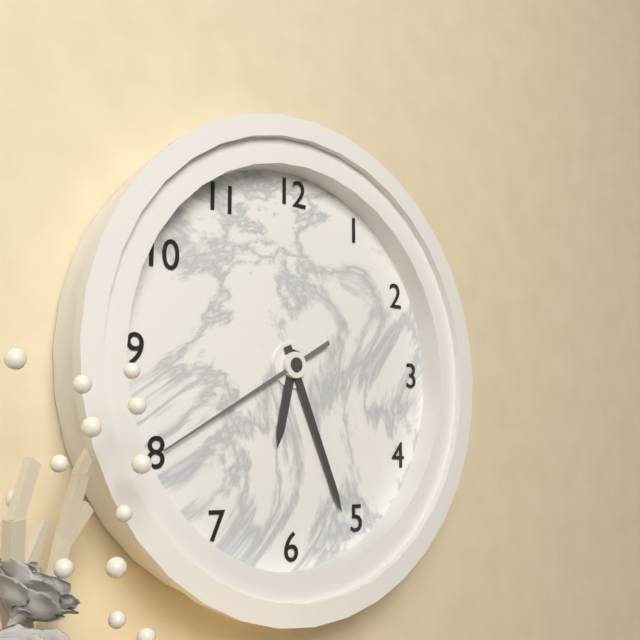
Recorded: 6 h 26 min 40 s
